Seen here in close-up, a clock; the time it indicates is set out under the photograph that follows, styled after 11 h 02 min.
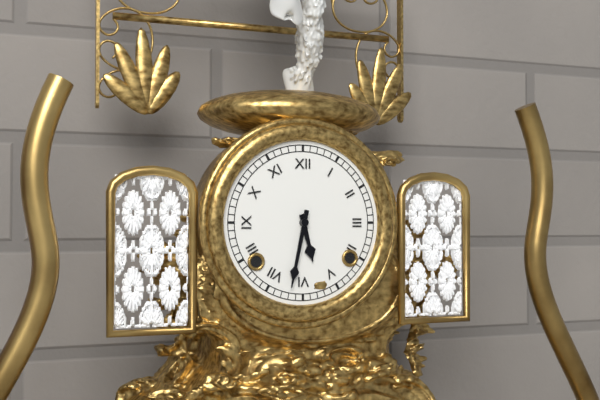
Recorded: 5 h 32 min
